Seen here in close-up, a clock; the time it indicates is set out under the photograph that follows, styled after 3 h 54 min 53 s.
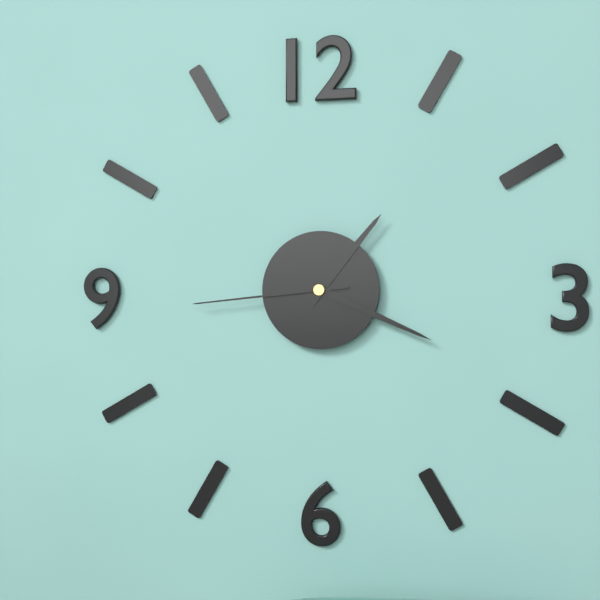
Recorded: 1 h 19 min 44 s
